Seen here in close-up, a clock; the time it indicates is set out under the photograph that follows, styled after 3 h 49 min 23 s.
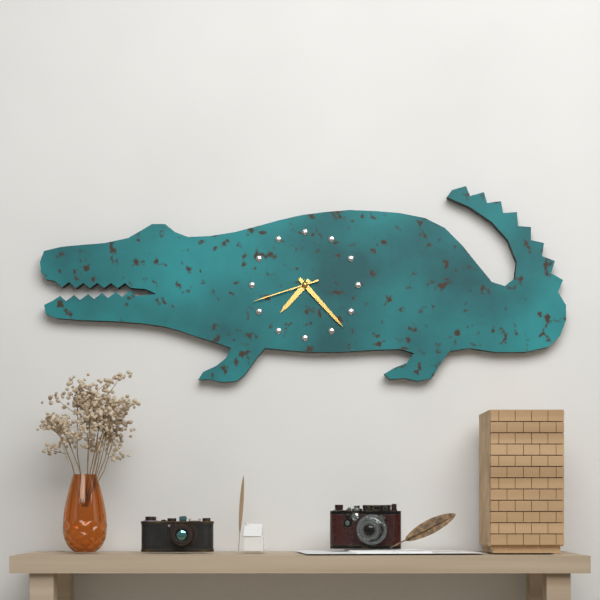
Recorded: 7 h 23 min 42 s
